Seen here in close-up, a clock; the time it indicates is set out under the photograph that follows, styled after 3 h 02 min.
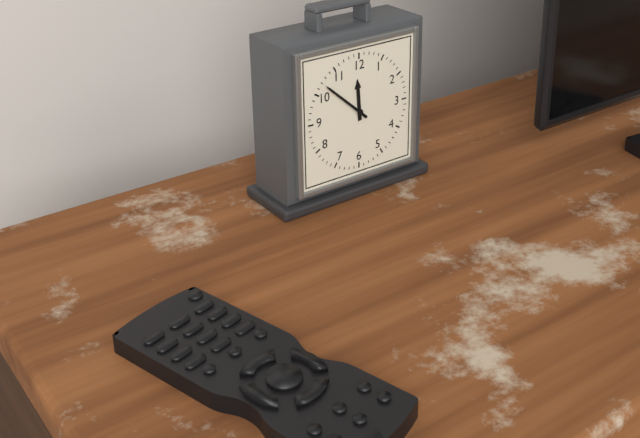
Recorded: 11 h 52 min
